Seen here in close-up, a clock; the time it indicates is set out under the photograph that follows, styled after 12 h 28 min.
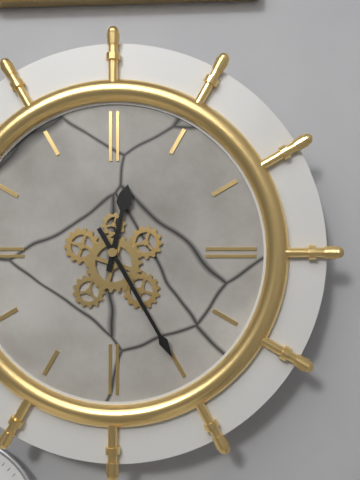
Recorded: 12 h 25 min
